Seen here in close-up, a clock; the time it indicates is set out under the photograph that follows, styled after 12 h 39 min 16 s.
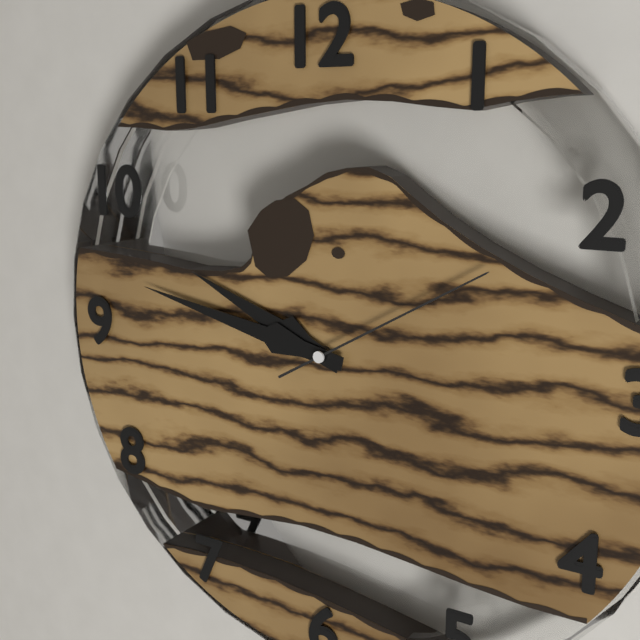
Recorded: 9 h 47 min 10 s
